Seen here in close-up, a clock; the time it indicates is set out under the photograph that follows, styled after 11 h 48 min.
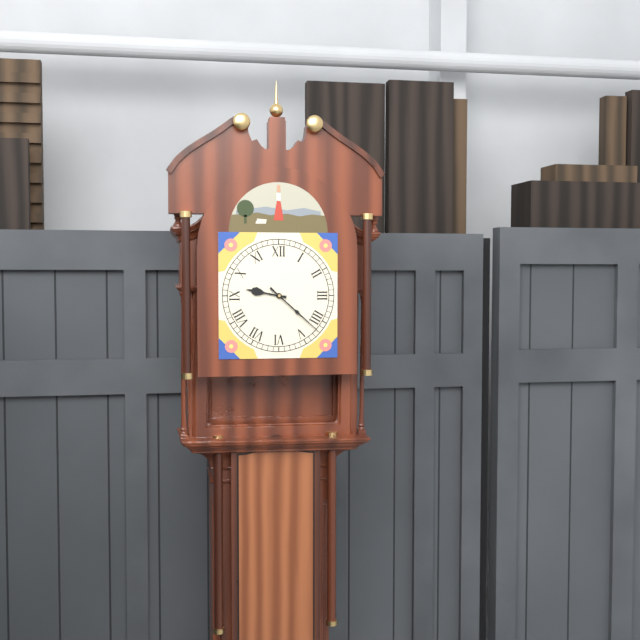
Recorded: 9 h 22 min
